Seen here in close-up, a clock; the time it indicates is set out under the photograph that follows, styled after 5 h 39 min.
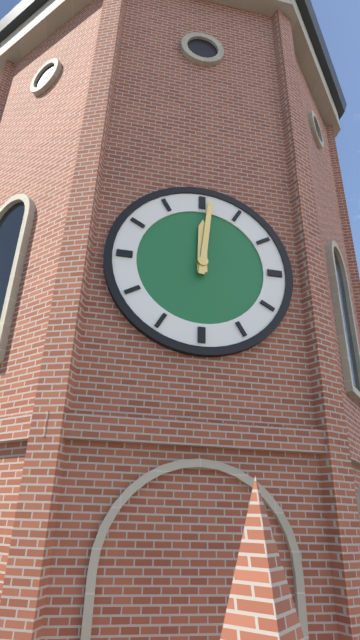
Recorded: 12 h 01 min
